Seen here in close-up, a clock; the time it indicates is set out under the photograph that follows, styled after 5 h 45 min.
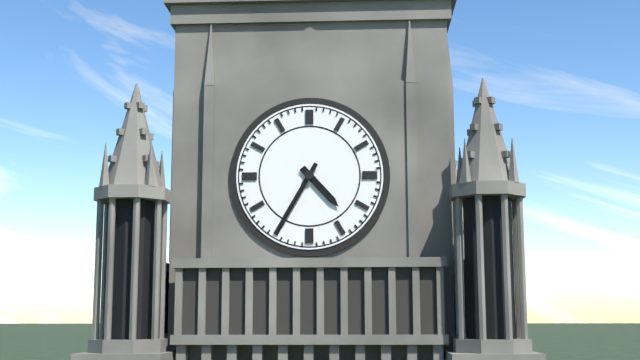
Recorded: 4 h 35 min
